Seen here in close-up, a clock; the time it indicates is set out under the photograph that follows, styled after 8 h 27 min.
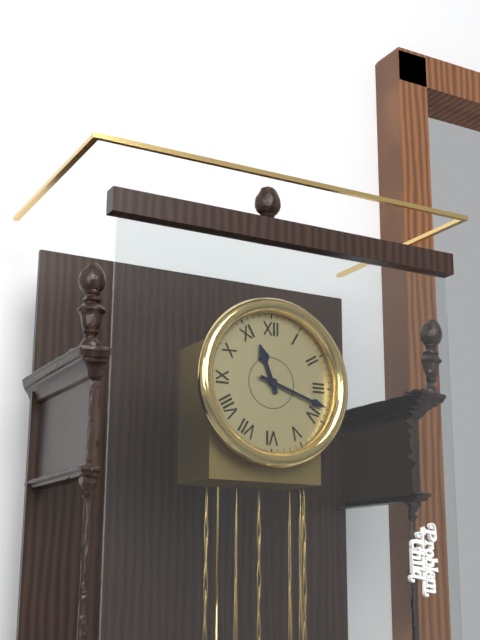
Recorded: 11 h 18 min
